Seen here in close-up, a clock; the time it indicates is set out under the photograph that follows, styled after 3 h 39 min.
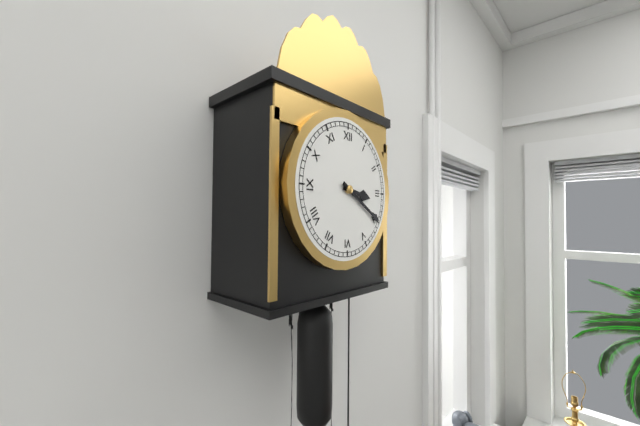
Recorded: 3 h 20 min
